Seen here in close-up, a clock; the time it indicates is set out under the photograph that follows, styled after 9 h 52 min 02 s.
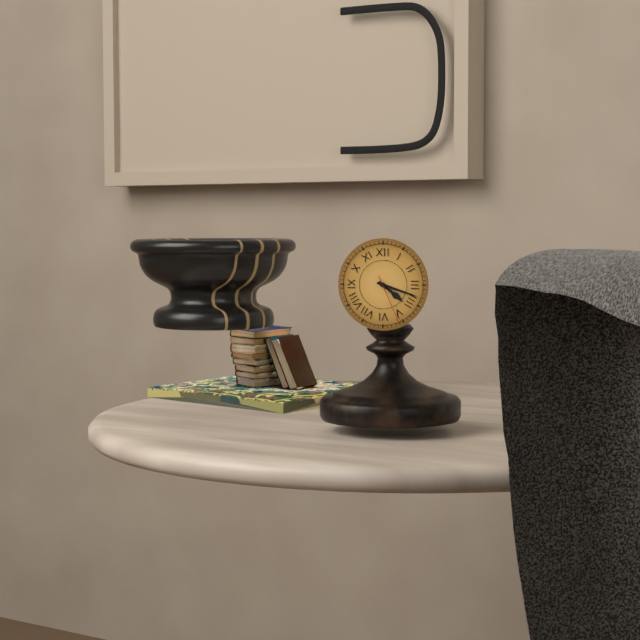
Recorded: 4 h 18 min 26 s
